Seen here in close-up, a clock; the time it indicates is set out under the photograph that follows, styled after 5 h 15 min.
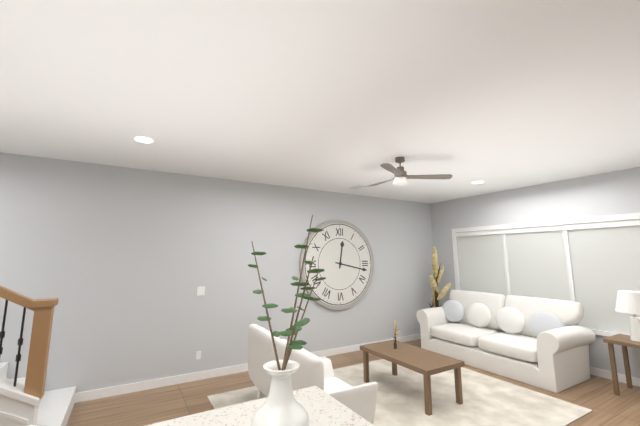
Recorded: 12 h 17 min
